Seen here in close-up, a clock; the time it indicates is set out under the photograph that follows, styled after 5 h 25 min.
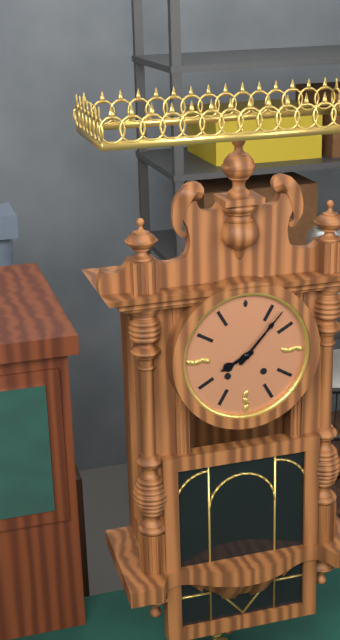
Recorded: 8 h 07 min
